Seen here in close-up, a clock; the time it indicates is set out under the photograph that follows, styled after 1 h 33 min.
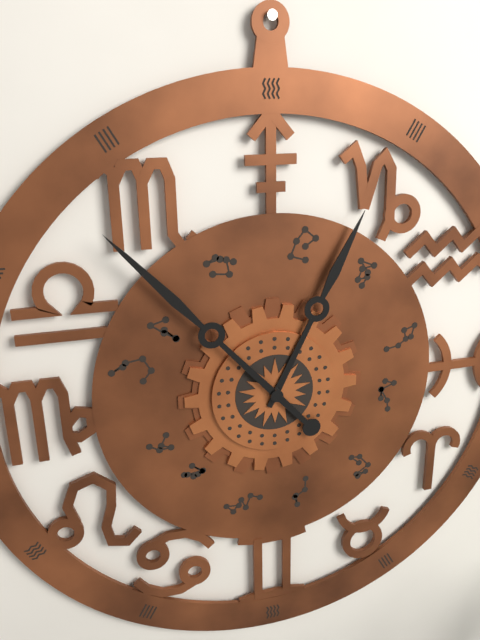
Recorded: 12 h 53 min
